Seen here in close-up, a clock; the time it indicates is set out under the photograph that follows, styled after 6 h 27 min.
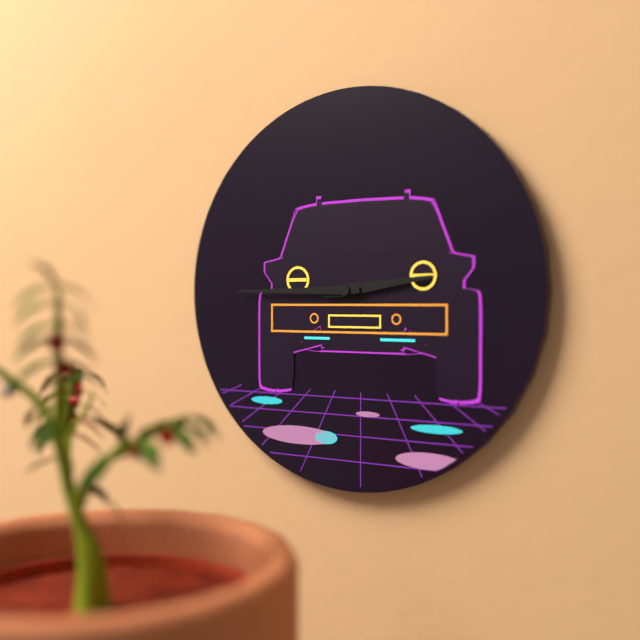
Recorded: 2 h 45 min
